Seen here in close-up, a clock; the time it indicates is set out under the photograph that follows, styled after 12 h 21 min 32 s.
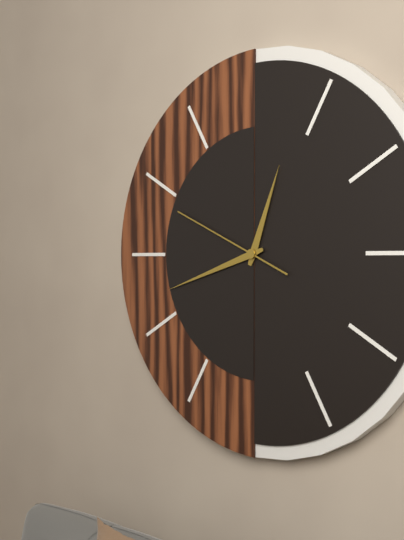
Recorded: 12 h 42 min 49 s
